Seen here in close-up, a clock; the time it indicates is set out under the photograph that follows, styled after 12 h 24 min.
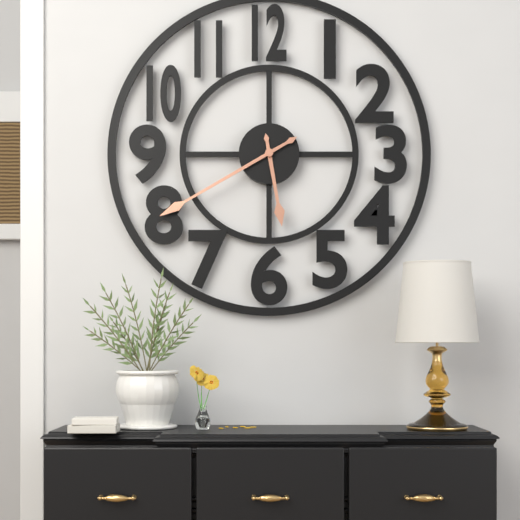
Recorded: 5 h 40 min
